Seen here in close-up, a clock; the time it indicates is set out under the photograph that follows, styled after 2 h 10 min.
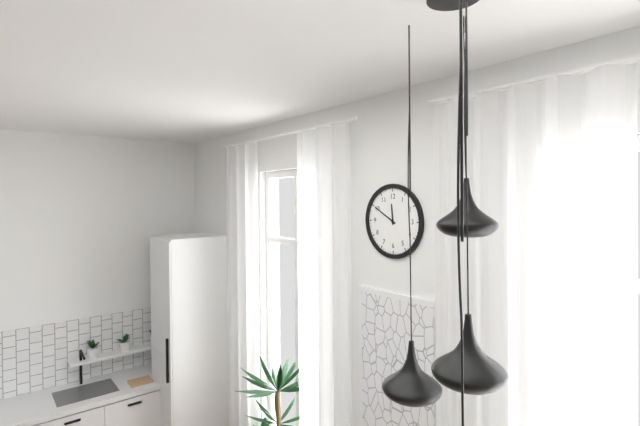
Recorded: 11 h 50 min
